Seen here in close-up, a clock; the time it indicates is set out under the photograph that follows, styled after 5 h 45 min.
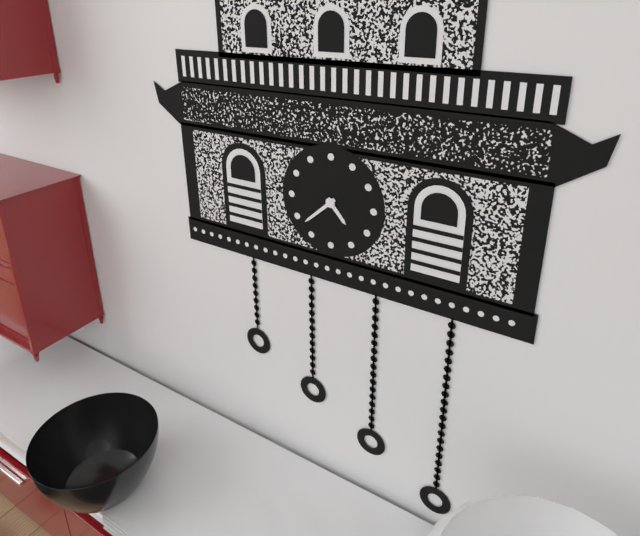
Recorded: 4 h 38 min
